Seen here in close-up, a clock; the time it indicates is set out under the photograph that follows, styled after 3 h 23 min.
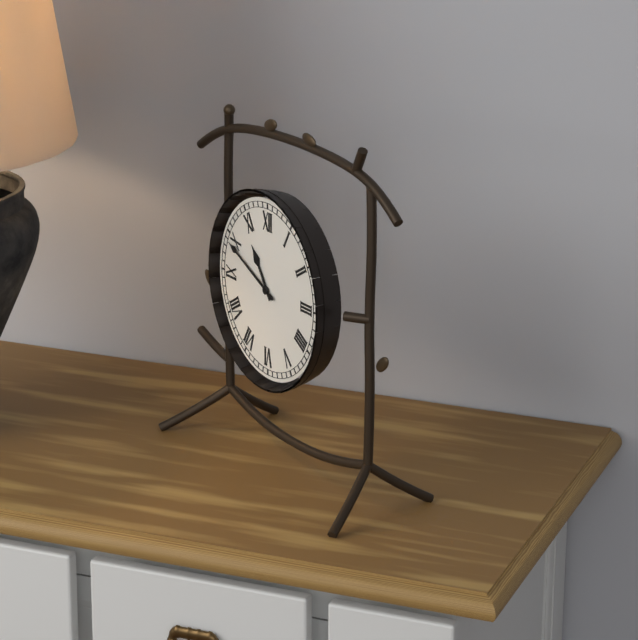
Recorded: 10 h 49 min
